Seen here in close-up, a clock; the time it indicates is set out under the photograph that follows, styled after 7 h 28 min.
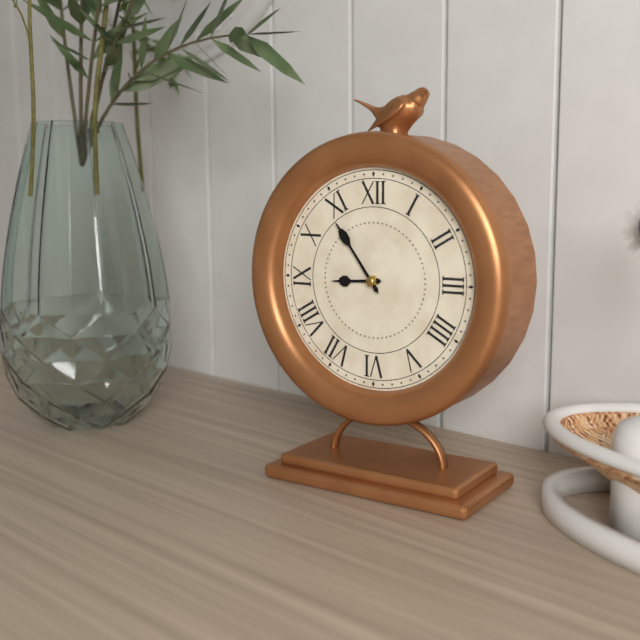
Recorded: 8 h 54 min
